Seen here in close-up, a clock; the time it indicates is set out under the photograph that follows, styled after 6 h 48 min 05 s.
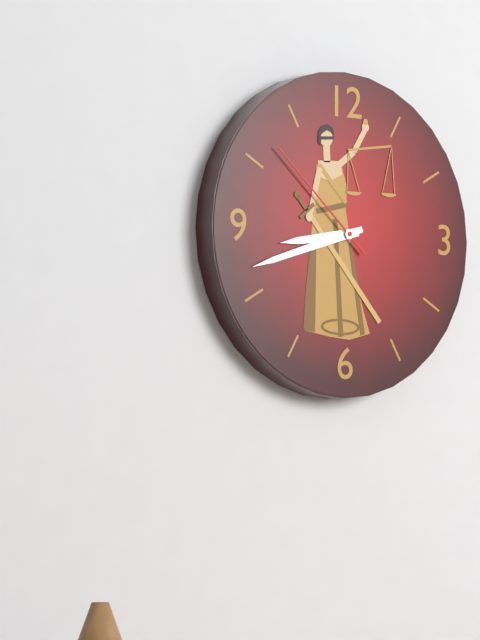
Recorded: 8 h 42 min 52 s
